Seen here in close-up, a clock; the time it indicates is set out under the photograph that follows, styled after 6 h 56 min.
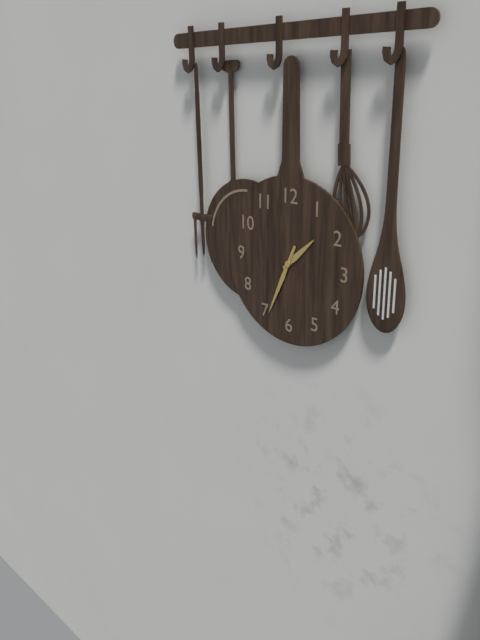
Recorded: 1 h 34 min
